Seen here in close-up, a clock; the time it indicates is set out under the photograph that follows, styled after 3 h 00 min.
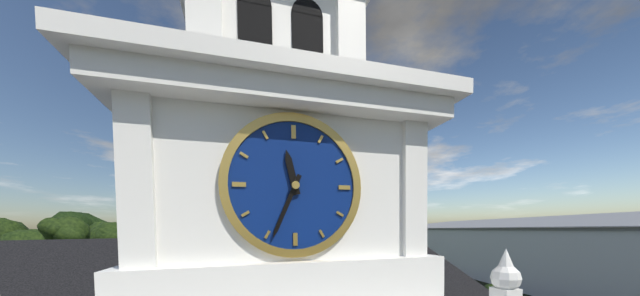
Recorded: 11 h 34 min
